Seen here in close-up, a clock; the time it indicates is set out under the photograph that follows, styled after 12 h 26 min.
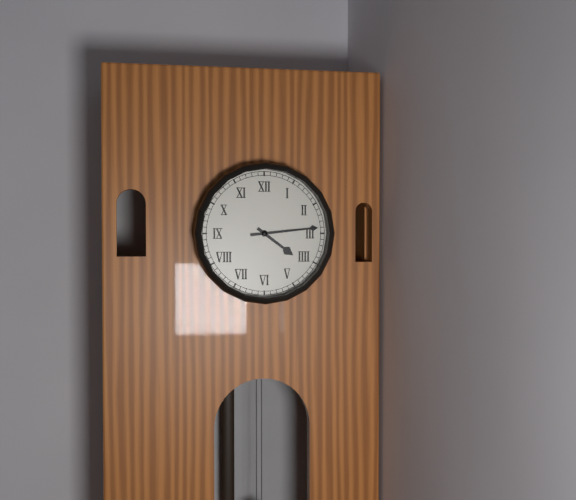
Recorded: 4 h 14 min
